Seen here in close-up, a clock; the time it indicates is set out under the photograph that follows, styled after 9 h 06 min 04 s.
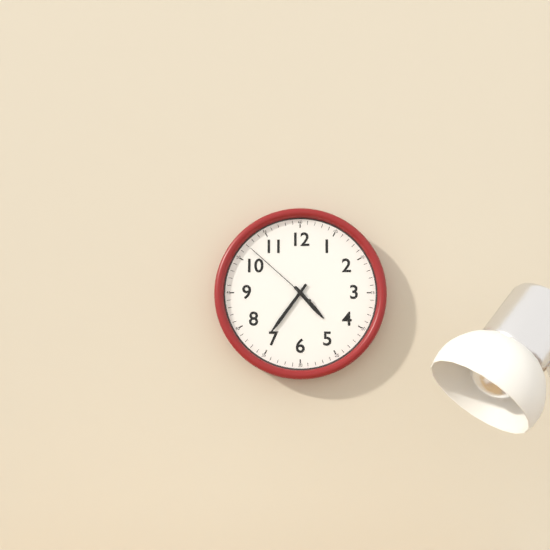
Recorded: 4 h 36 min 52 s
